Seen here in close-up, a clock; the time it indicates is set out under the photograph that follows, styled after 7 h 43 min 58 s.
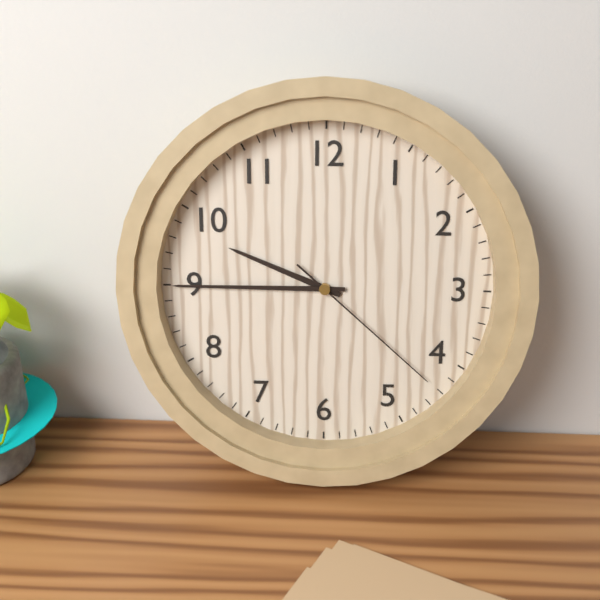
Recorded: 9 h 45 min 22 s
